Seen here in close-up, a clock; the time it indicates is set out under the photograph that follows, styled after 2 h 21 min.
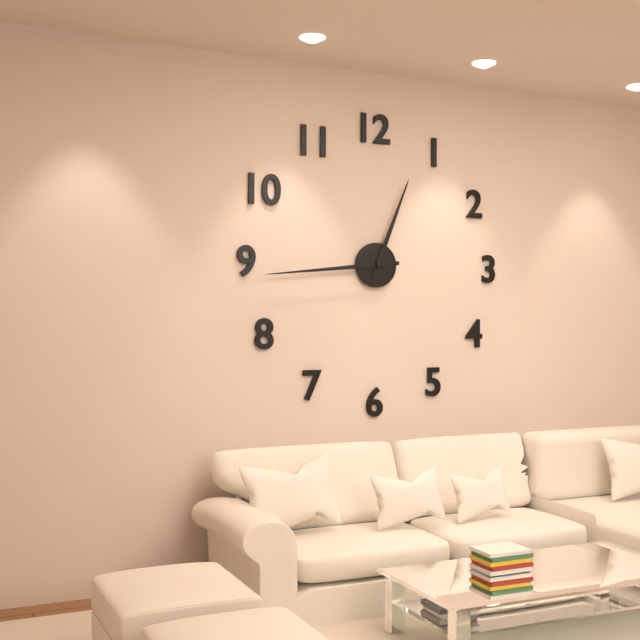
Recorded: 12 h 44 min
